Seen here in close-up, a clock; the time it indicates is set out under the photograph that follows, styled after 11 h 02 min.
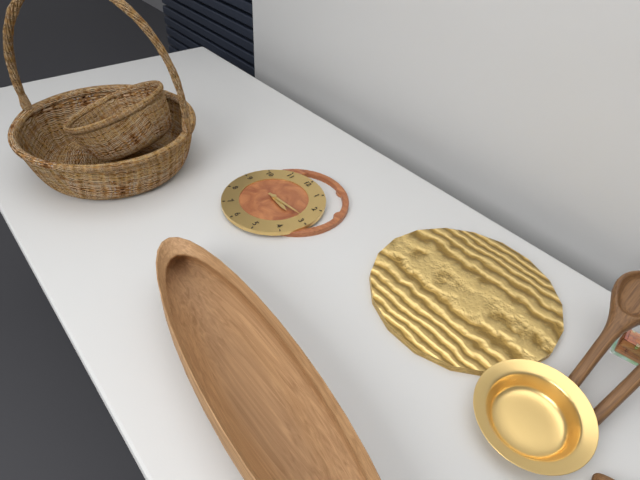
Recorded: 3 h 14 min
